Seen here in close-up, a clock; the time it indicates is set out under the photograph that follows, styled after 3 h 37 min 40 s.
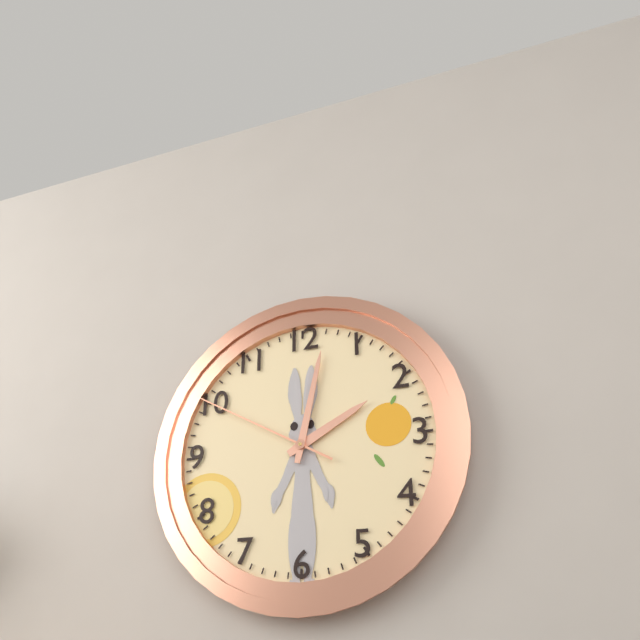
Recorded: 2 h 02 min 50 s
